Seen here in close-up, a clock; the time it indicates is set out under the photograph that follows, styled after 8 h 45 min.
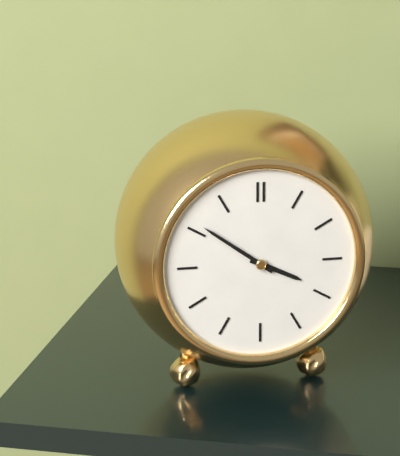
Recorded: 3 h 51 min
